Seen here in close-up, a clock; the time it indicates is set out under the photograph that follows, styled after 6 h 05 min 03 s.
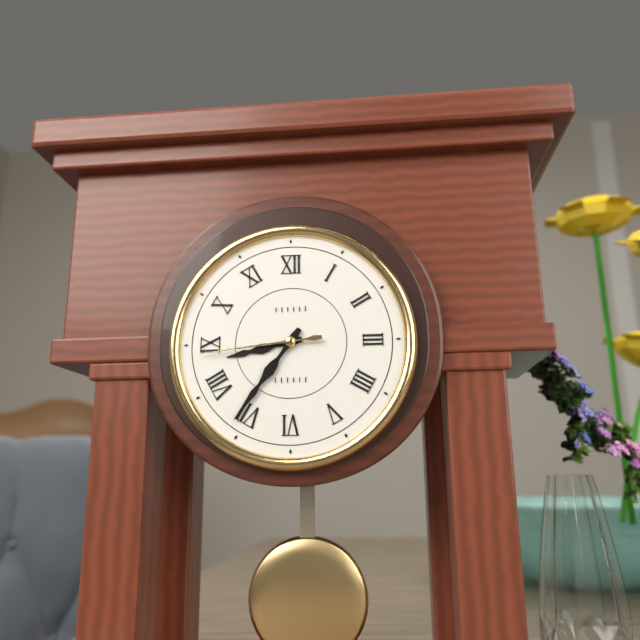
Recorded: 8 h 36 min 44 s
